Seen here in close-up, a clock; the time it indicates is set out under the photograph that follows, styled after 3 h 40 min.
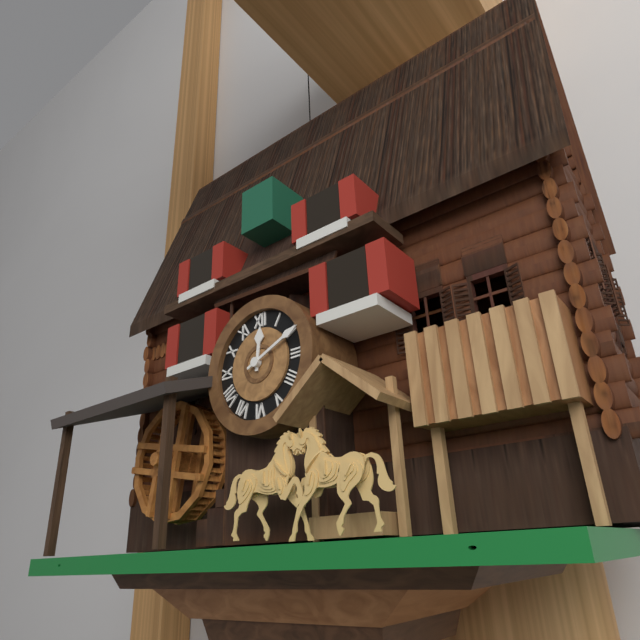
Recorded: 12 h 11 min
